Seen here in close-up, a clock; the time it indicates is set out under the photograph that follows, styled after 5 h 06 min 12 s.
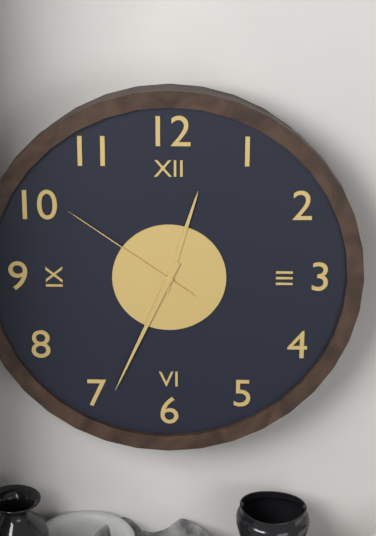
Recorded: 12 h 34 min 51 s
